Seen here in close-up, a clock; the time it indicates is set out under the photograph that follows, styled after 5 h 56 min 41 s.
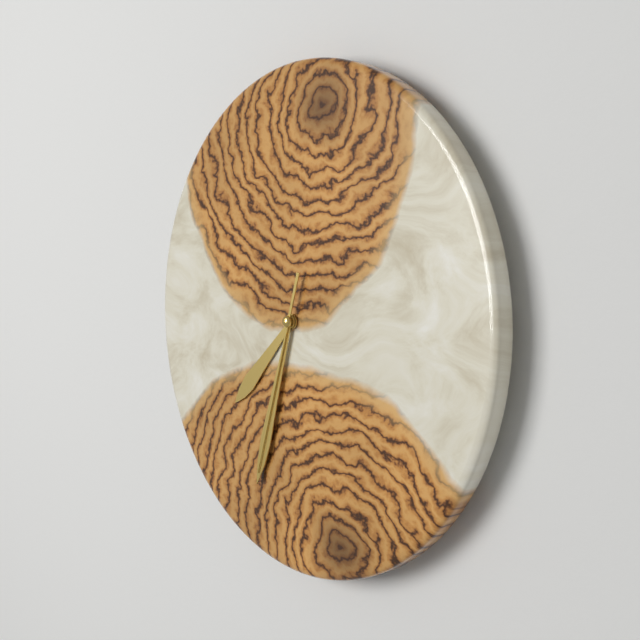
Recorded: 7 h 33 min 33 s
